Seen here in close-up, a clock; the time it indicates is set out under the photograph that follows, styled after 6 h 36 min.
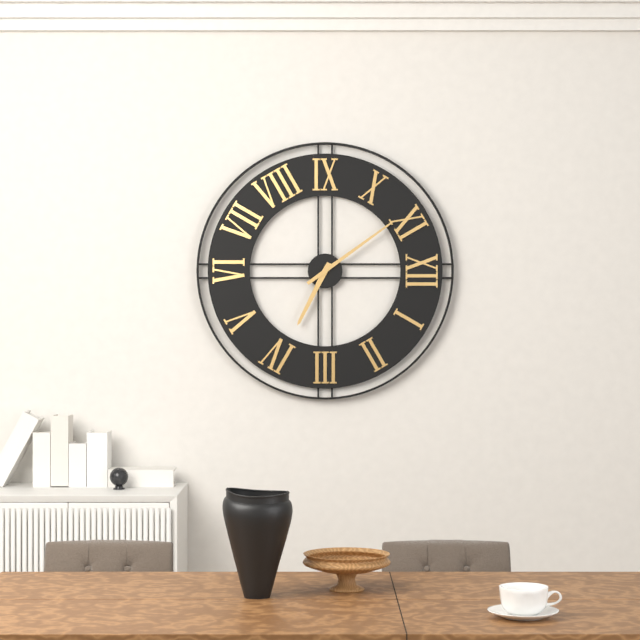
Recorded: 3 h 54 min
